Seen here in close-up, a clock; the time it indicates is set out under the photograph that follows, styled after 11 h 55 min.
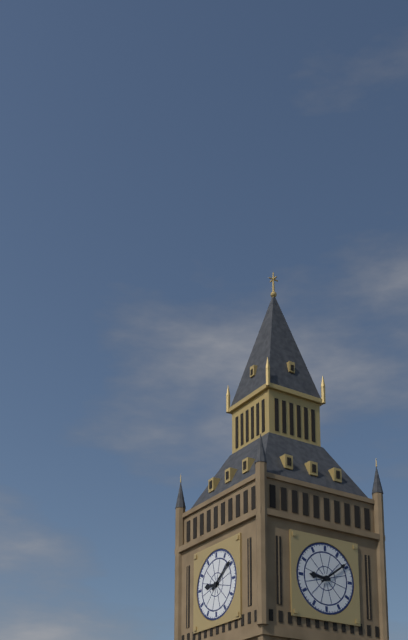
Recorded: 9 h 09 min
